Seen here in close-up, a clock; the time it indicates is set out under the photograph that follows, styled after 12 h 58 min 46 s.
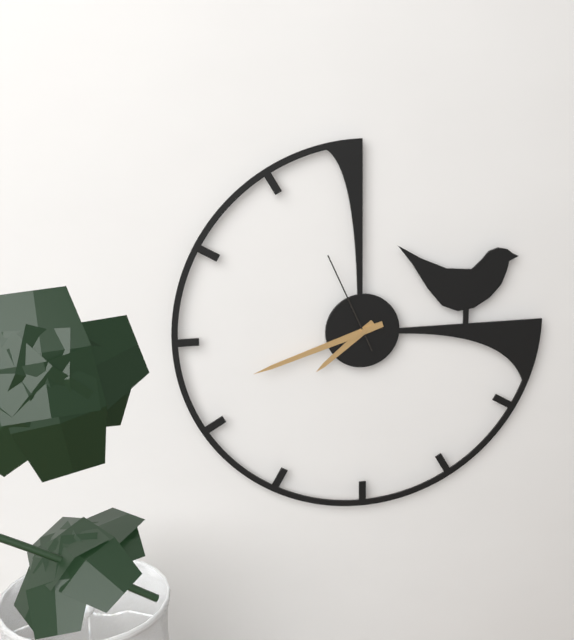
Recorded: 7 h 42 min 56 s
